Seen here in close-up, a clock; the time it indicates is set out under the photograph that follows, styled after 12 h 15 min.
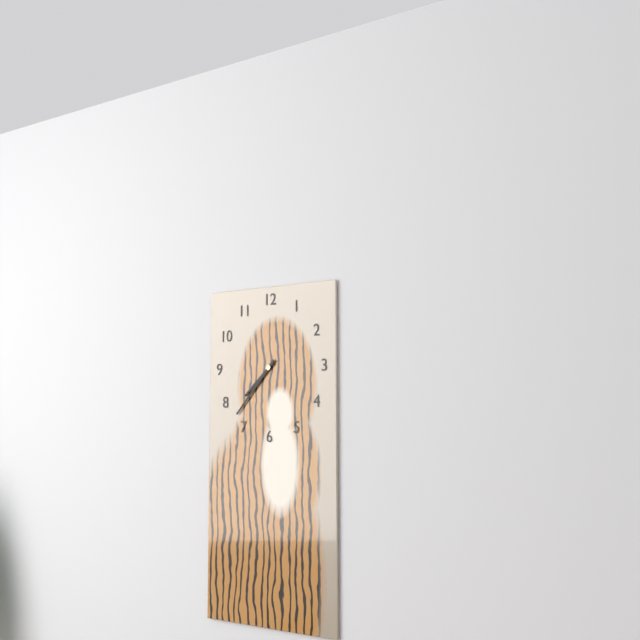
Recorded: 7 h 37 min
